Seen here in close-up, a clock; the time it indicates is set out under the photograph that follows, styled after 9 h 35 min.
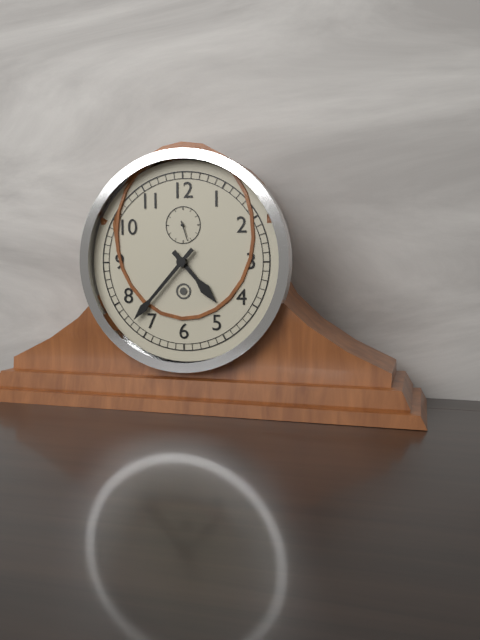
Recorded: 4 h 37 min
